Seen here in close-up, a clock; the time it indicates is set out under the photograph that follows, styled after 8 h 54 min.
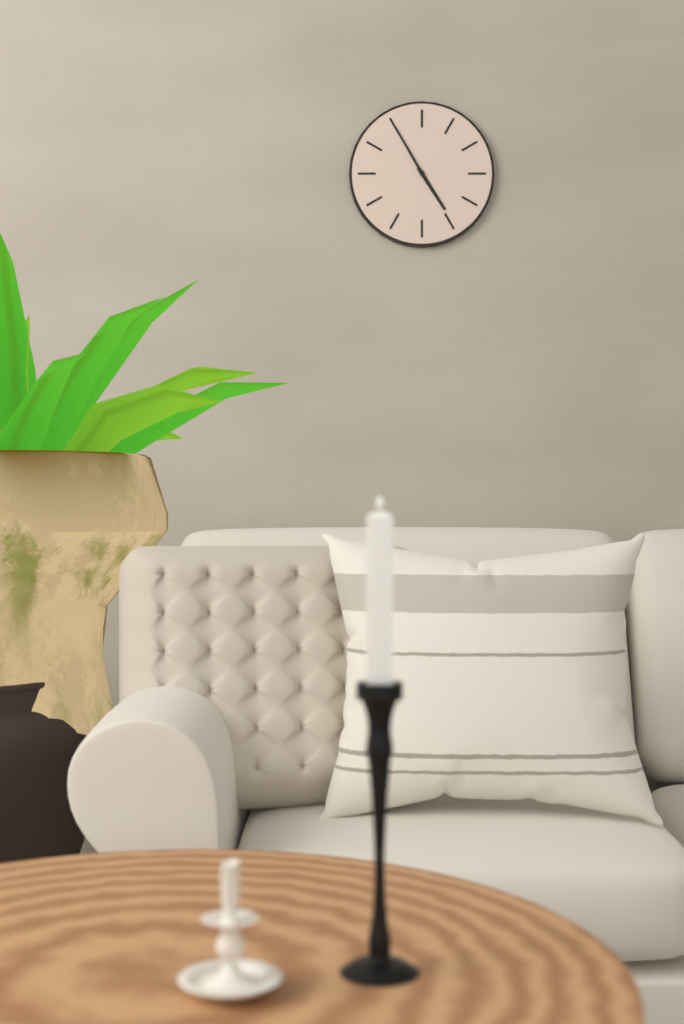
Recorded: 4 h 55 min
